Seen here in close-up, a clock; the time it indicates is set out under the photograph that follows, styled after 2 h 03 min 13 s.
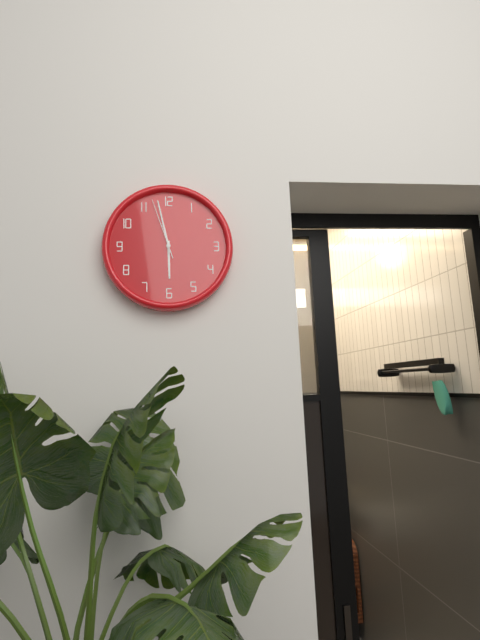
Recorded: 5 h 58 min 57 s
